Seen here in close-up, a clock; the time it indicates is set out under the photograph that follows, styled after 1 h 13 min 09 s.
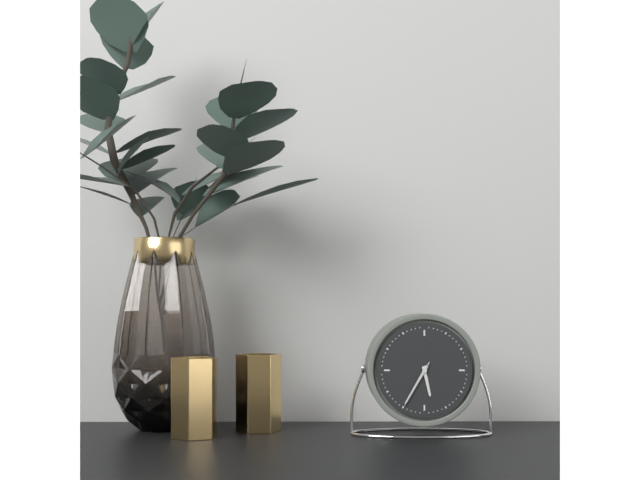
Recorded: 5 h 35 min 35 s
